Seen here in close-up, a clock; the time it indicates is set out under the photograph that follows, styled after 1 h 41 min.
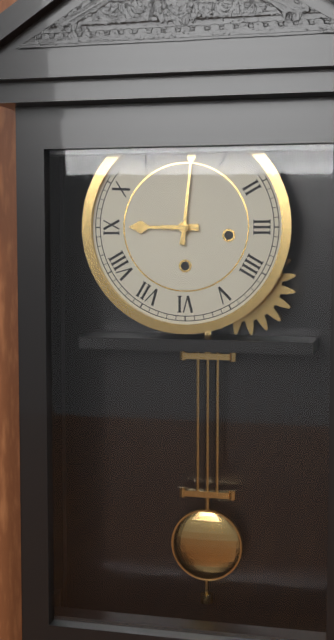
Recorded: 9 h 01 min
